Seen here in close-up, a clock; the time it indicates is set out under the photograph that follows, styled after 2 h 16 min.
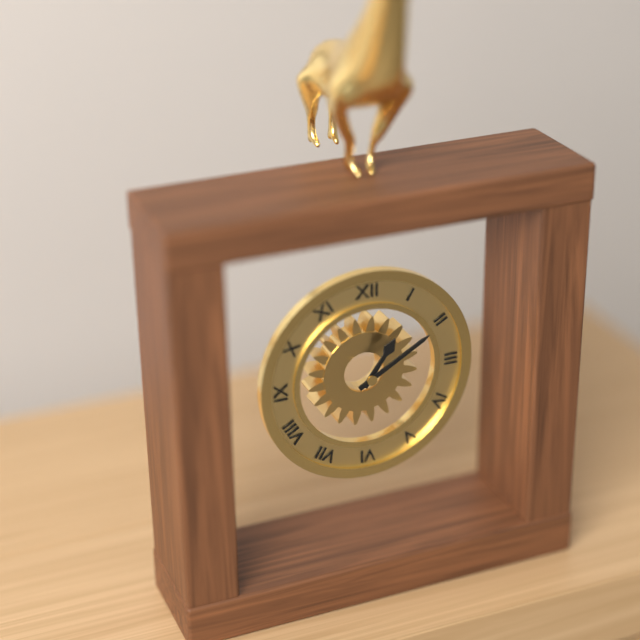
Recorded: 1 h 10 min
